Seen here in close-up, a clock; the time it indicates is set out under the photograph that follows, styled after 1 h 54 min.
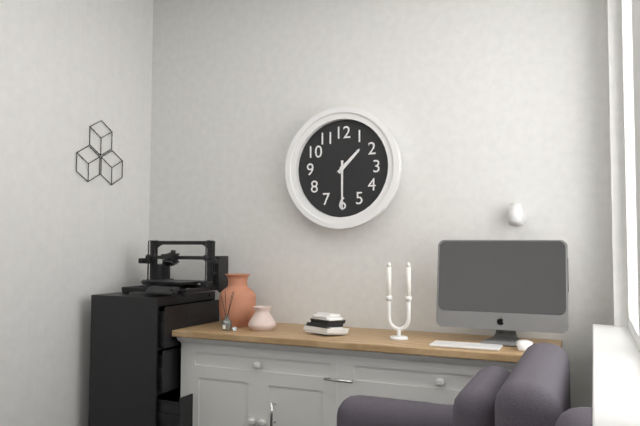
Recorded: 1 h 30 min
